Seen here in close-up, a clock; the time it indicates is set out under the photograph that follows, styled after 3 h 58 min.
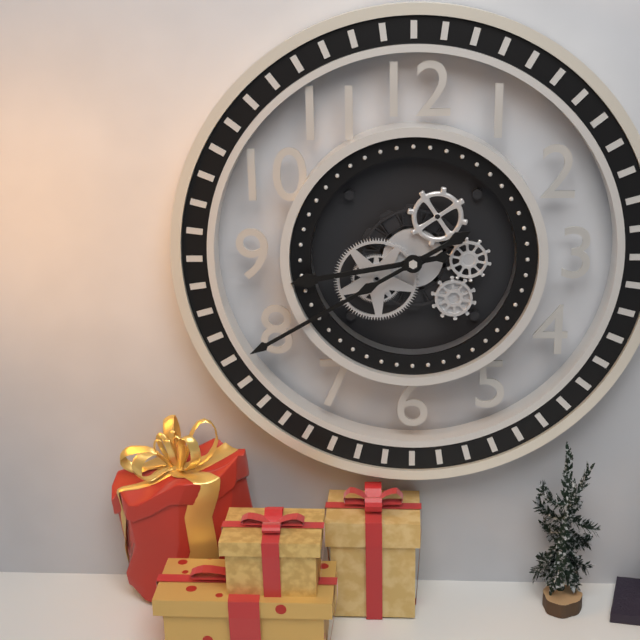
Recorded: 8 h 40 min
